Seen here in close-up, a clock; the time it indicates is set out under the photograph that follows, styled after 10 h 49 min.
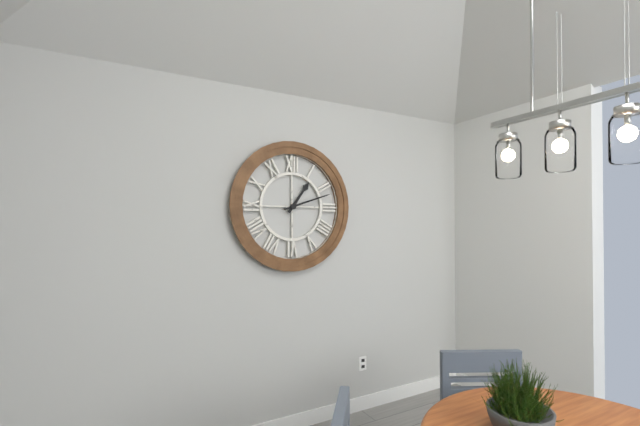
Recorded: 1 h 12 min
